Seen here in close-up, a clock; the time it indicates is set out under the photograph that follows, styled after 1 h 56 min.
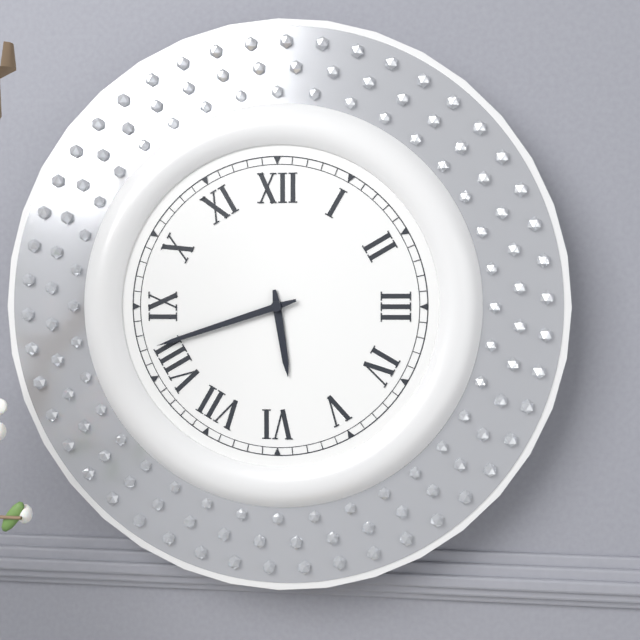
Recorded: 5 h 42 min
